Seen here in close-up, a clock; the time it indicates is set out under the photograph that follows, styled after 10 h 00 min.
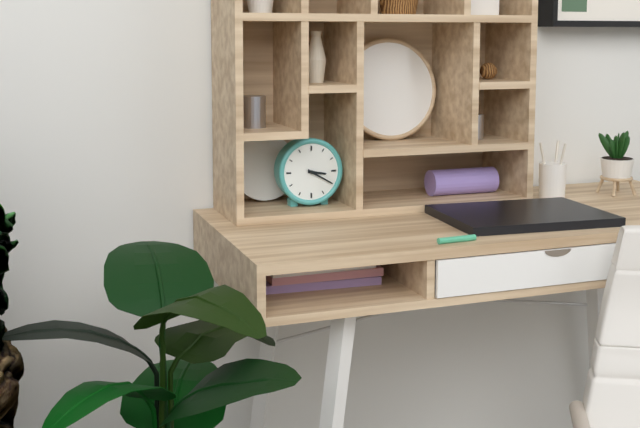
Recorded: 3 h 20 min
